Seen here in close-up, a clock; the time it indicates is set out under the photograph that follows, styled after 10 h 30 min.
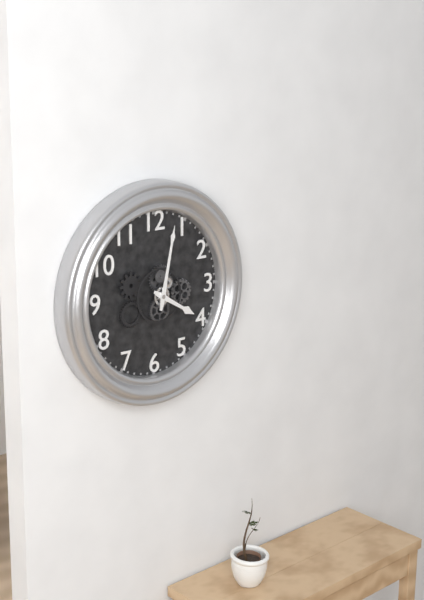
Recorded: 4 h 02 min
